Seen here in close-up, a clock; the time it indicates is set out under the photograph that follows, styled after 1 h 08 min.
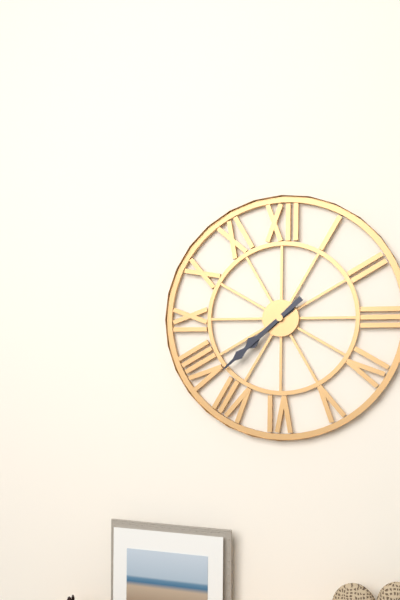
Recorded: 7 h 38 min
